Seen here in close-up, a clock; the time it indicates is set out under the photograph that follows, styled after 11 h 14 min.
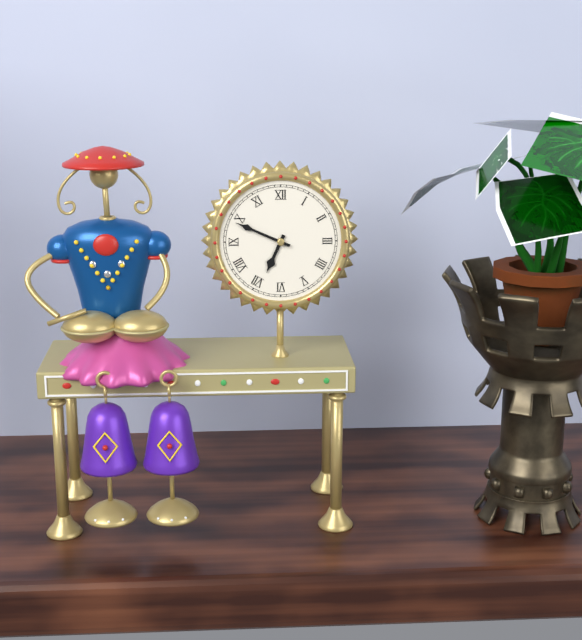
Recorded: 6 h 49 min
